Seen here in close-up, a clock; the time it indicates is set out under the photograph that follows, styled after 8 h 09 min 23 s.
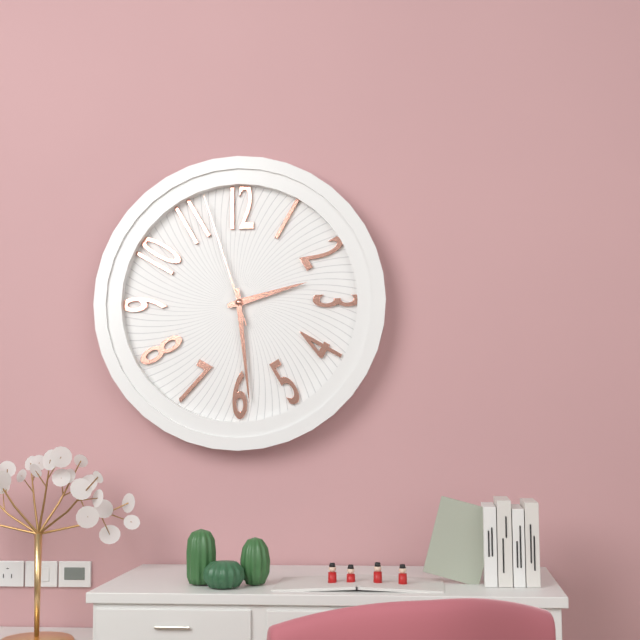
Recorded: 2 h 29 min 57 s
